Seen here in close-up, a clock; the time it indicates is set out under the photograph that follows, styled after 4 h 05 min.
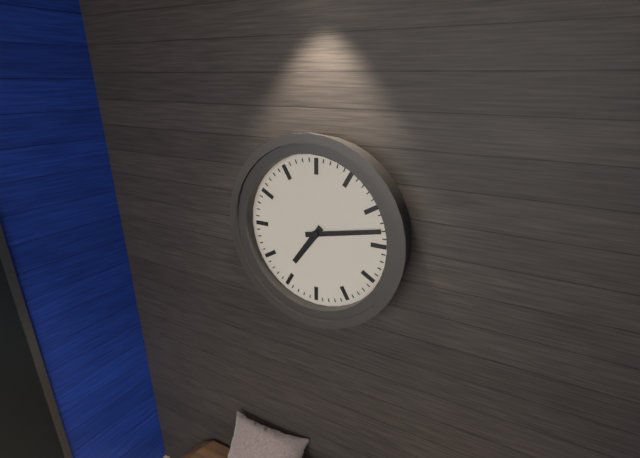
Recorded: 7 h 13 min
